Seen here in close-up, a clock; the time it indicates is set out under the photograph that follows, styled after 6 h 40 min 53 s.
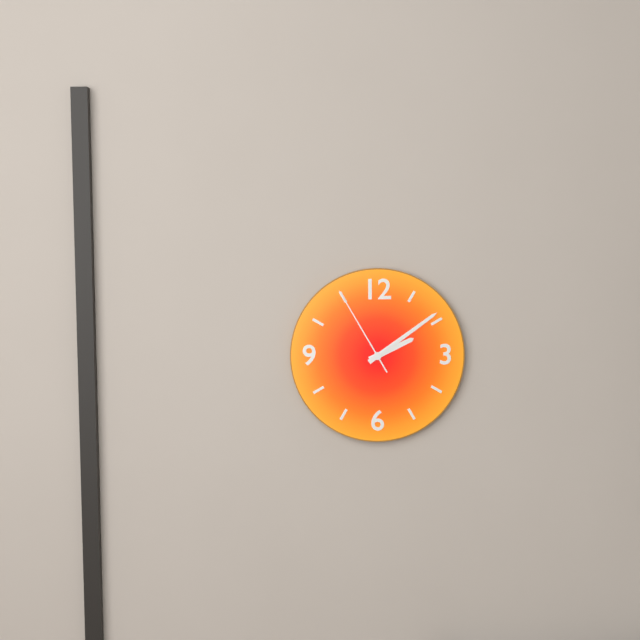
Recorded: 2 h 09 min 55 s
